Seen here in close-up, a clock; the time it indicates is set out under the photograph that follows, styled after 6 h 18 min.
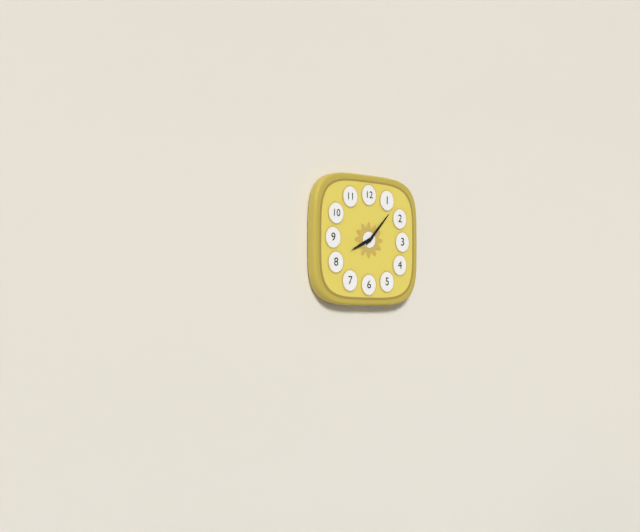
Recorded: 8 h 07 min
